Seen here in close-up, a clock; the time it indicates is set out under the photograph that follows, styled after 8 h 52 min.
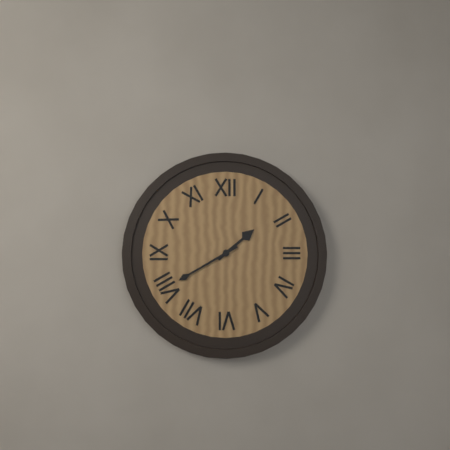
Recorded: 1 h 40 min
